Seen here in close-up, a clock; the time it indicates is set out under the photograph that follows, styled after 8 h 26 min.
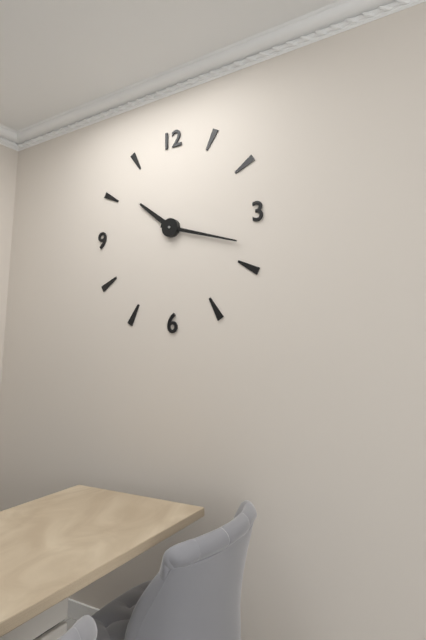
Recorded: 10 h 18 min
